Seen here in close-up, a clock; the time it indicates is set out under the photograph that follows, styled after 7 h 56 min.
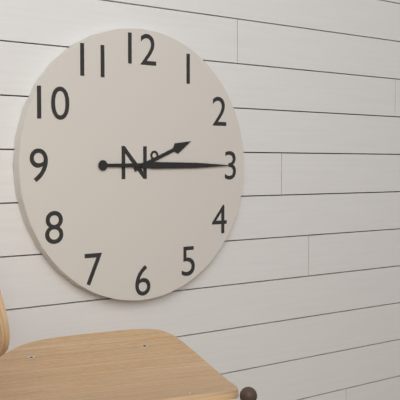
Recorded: 2 h 15 min
